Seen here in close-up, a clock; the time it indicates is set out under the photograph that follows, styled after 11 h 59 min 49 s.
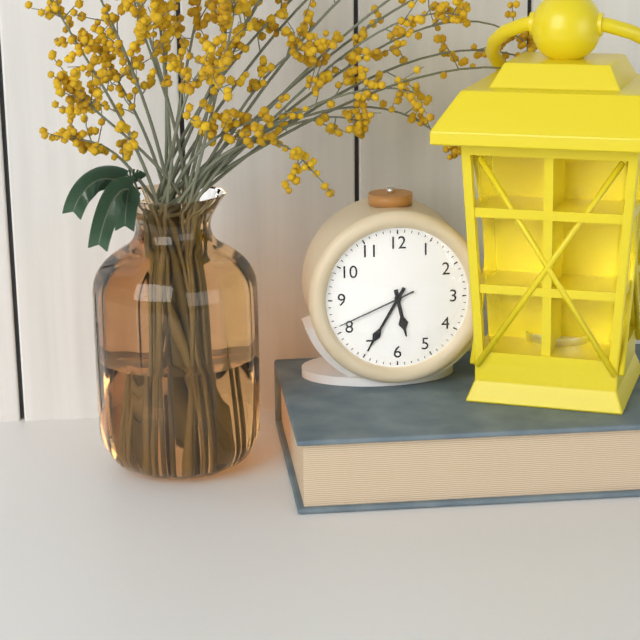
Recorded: 5 h 35 min 41 s
